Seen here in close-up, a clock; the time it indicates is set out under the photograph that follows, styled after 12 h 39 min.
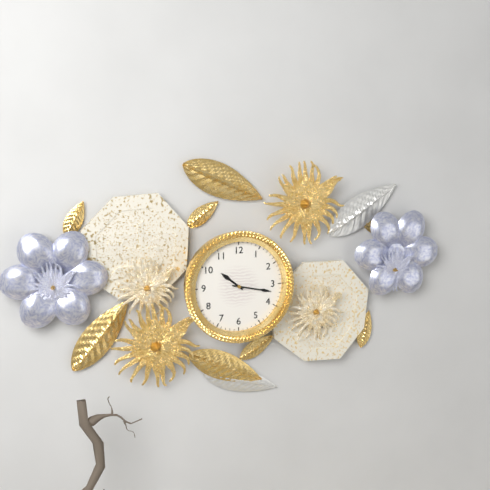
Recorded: 10 h 17 min
